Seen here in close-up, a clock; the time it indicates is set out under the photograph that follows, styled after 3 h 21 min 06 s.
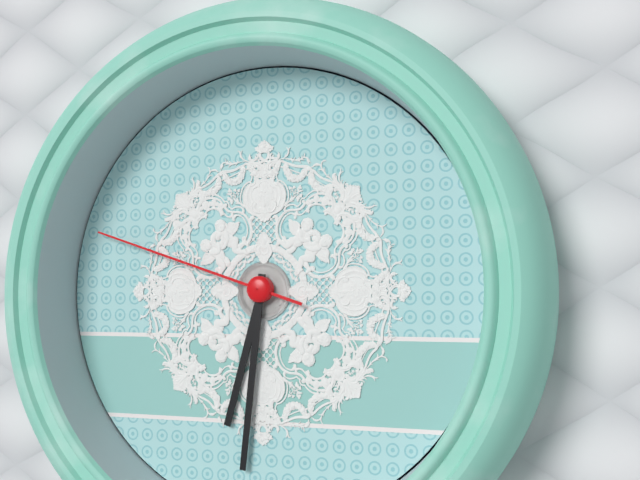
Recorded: 6 h 31 min 48 s
